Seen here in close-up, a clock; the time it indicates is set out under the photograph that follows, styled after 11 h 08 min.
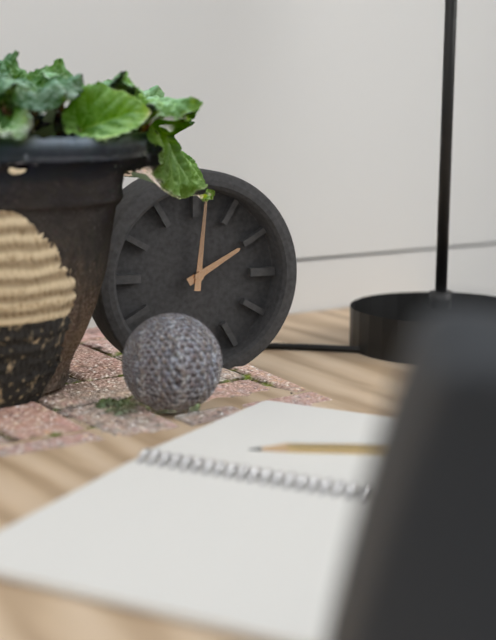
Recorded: 2 h 01 min
